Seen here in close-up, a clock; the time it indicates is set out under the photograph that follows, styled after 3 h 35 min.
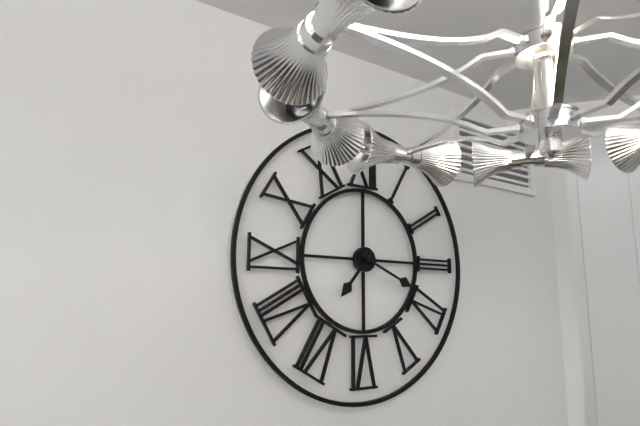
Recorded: 7 h 19 min
